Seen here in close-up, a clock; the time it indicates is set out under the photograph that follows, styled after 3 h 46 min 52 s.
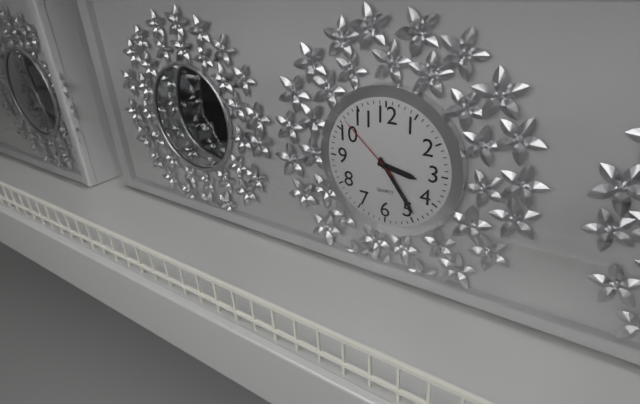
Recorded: 3 h 24 min 52 s
